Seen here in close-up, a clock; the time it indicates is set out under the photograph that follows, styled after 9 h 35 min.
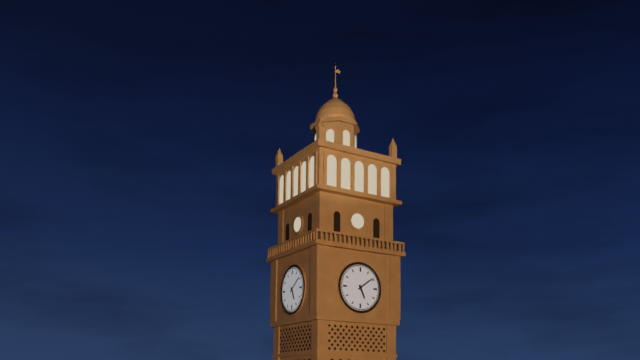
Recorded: 5 h 09 min
